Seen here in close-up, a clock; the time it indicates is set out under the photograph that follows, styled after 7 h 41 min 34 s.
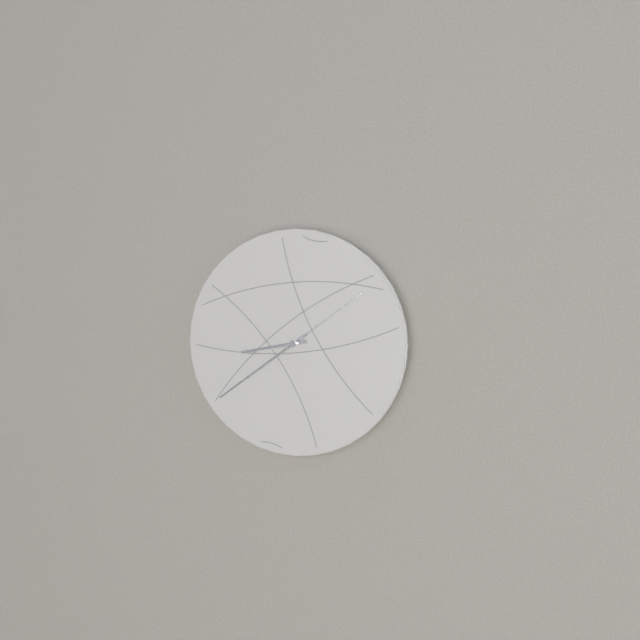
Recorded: 8 h 39 min 09 s
